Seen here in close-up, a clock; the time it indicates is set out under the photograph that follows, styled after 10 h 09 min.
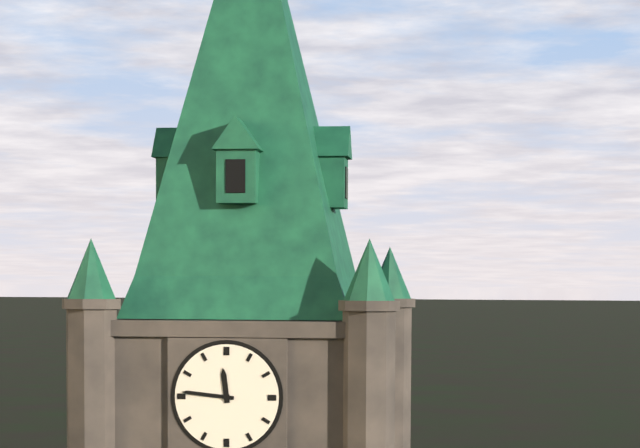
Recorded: 11 h 46 min
